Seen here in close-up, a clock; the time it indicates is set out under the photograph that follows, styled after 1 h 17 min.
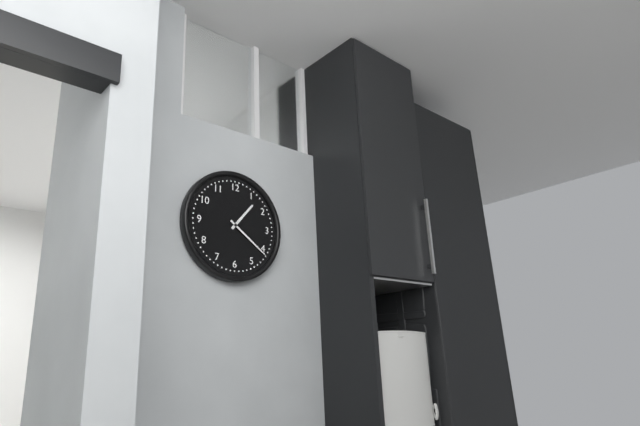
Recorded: 1 h 21 min
